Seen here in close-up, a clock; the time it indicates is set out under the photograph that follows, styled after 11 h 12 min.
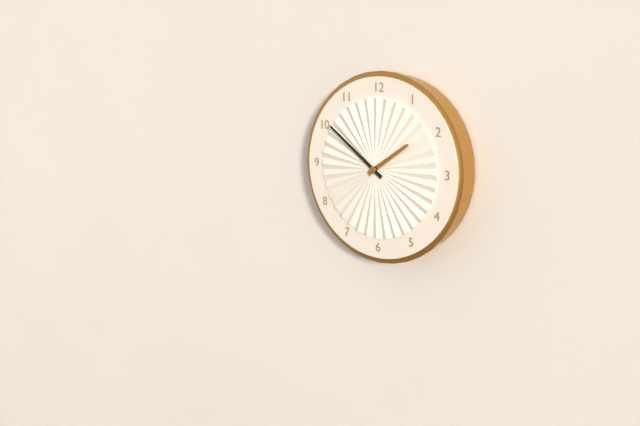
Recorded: 1 h 51 min
